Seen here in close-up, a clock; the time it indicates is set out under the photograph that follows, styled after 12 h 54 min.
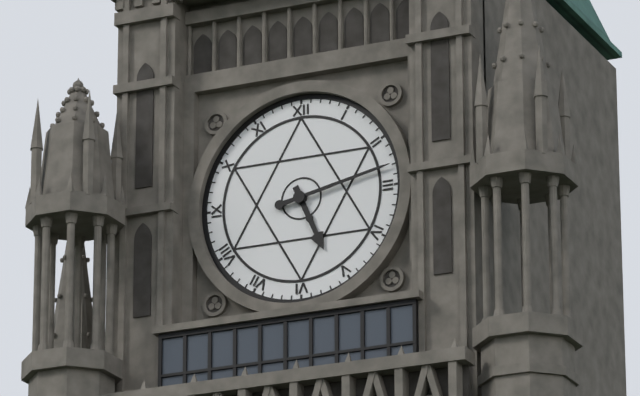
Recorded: 5 h 13 min
